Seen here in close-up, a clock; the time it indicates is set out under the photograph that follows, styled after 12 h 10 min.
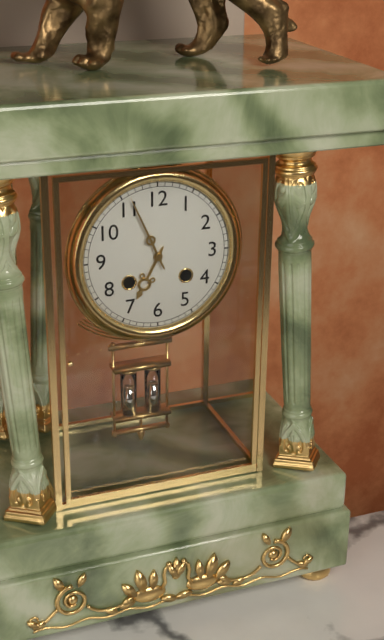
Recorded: 6 h 56 min
